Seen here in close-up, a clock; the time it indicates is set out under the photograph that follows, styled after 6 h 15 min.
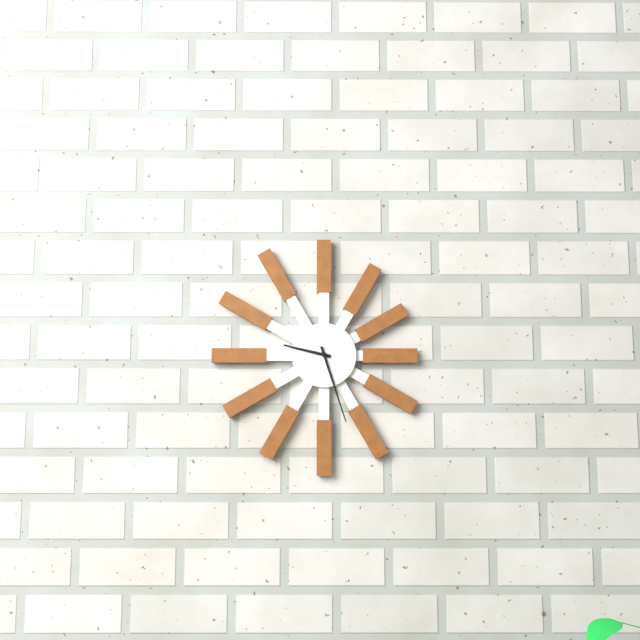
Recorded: 9 h 27 min
